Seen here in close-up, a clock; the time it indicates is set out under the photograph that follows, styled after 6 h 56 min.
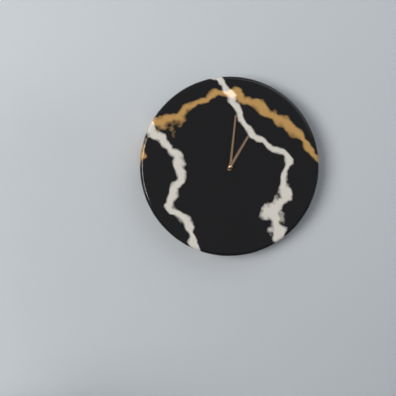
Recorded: 1 h 01 min
